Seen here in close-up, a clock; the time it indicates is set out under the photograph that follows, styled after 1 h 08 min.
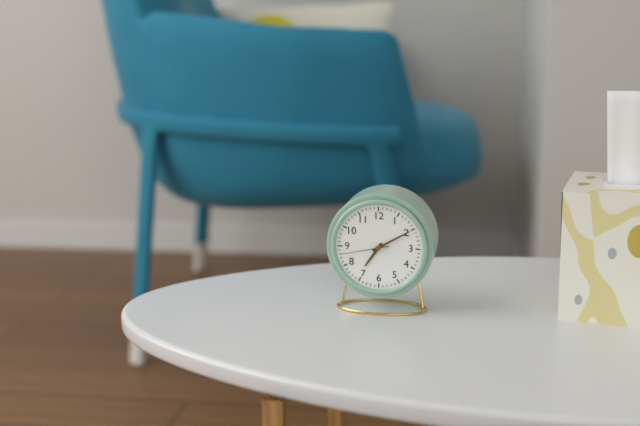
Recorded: 7 h 10 min
